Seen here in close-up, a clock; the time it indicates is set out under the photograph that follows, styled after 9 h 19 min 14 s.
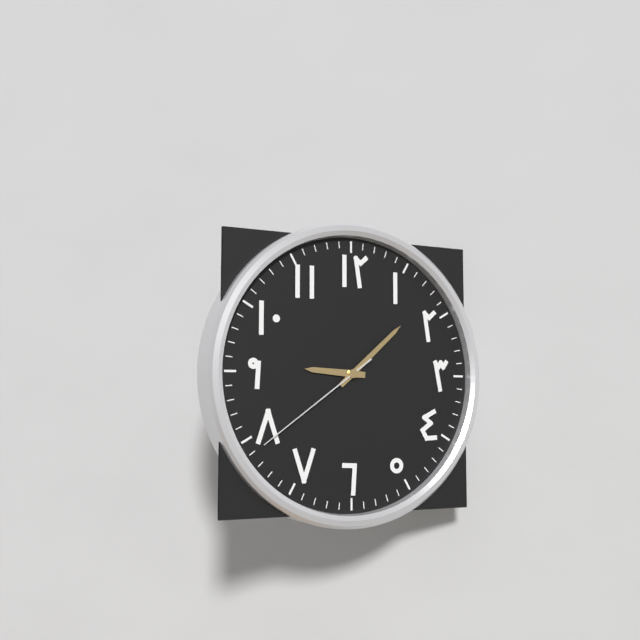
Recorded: 9 h 08 min 39 s
